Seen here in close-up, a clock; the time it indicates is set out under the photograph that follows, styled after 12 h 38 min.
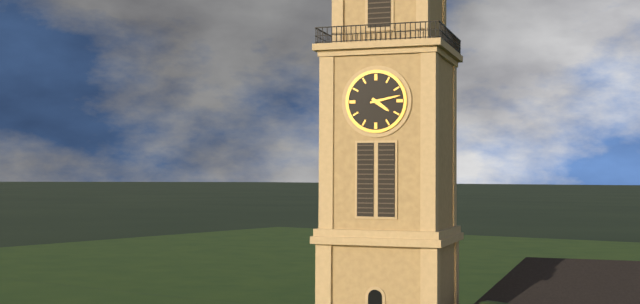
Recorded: 4 h 13 min
